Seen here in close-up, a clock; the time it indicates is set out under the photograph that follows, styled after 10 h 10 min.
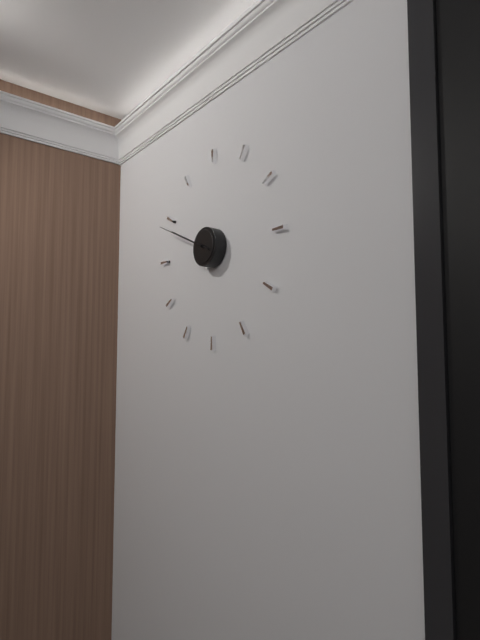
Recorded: 9 h 49 min
